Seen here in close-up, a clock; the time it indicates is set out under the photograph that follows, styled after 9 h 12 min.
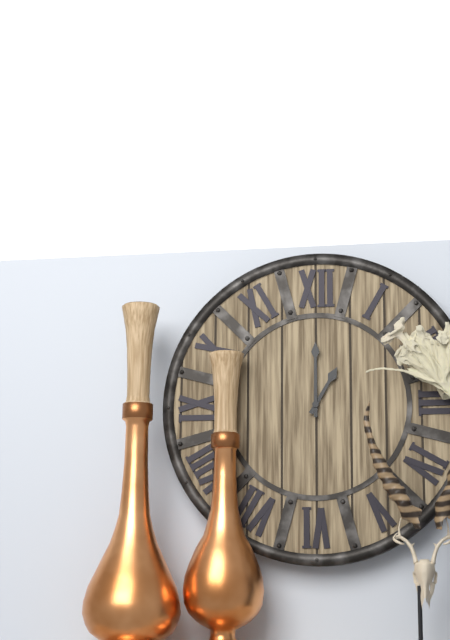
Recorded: 1 h 00 min
